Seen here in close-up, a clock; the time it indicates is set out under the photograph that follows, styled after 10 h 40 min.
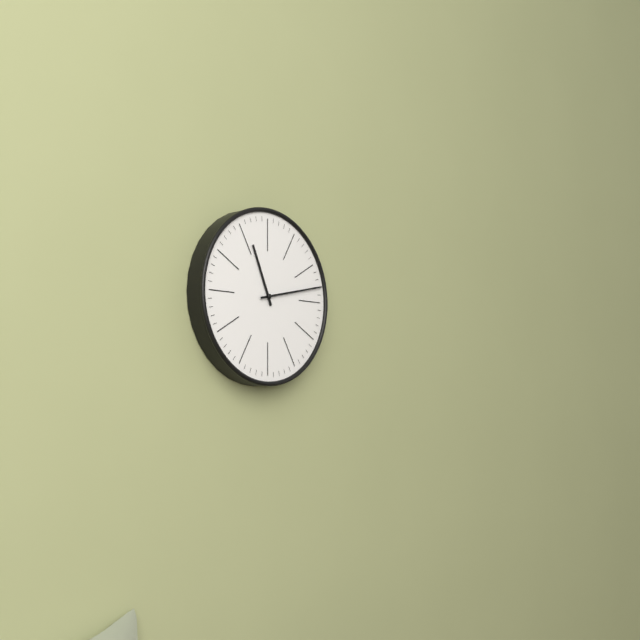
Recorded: 11 h 13 min
